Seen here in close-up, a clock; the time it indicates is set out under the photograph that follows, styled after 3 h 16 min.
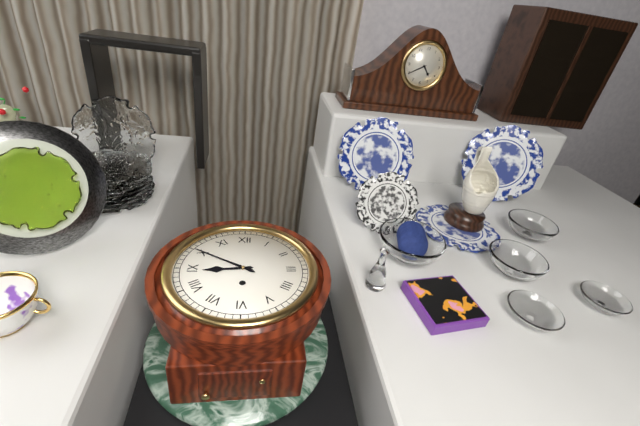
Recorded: 8 h 50 min
